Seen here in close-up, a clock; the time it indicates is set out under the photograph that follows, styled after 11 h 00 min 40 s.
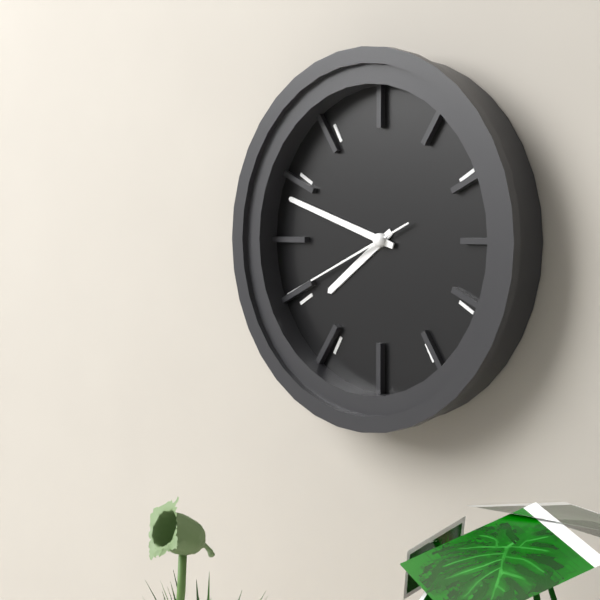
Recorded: 7 h 48 min 41 s
